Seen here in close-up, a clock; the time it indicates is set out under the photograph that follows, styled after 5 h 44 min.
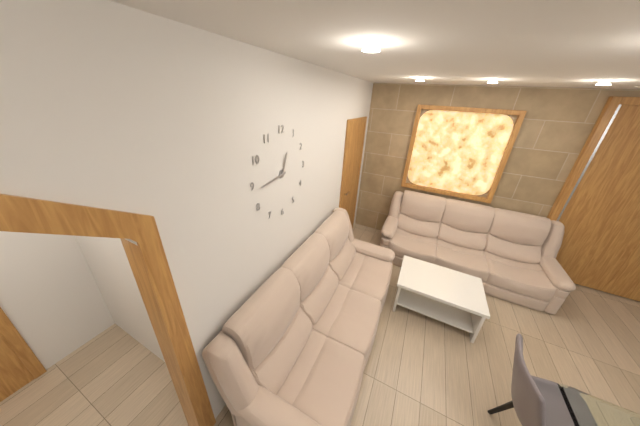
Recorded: 12 h 44 min
